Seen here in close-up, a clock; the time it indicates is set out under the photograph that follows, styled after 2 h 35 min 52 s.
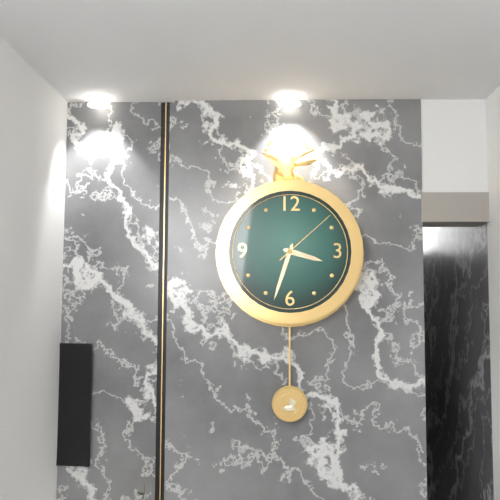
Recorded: 3 h 33 min 08 s
